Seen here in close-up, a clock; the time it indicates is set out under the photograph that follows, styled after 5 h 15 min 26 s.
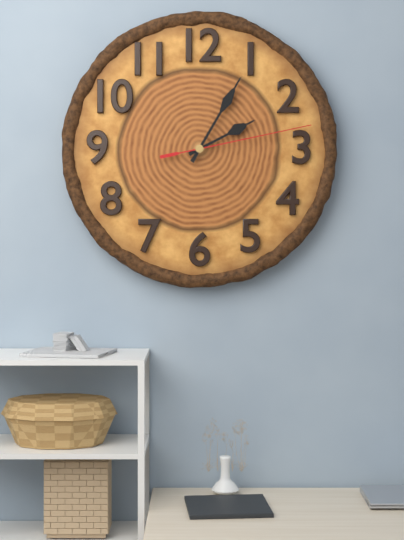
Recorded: 2 h 05 min 13 s
